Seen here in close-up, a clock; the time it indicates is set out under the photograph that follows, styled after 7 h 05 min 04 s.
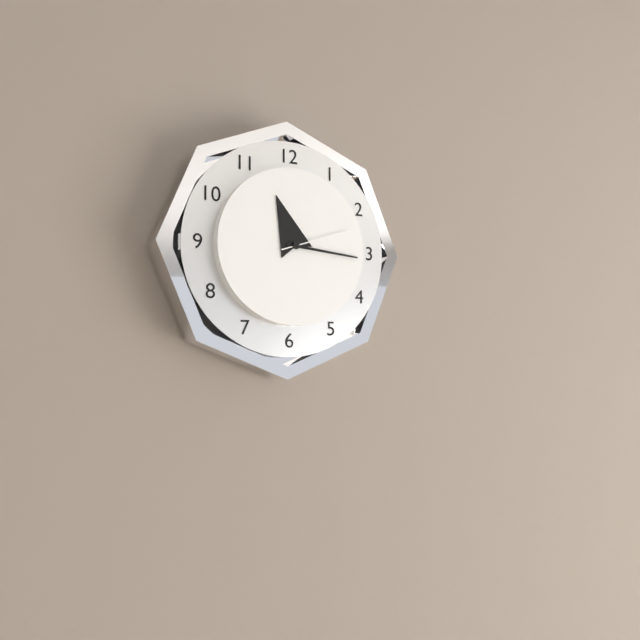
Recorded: 11 h 16 min 12 s
